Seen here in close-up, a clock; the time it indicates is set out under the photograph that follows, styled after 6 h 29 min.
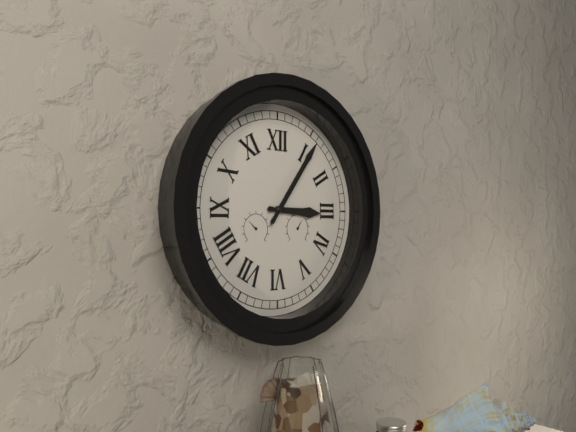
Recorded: 3 h 06 min
